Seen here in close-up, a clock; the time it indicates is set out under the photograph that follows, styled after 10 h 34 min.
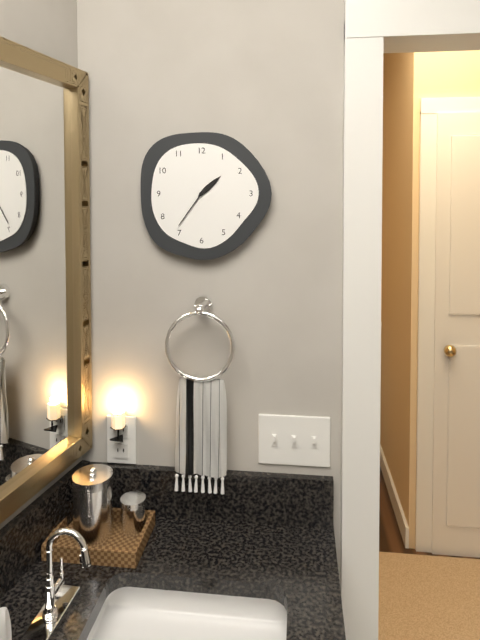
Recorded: 1 h 36 min
